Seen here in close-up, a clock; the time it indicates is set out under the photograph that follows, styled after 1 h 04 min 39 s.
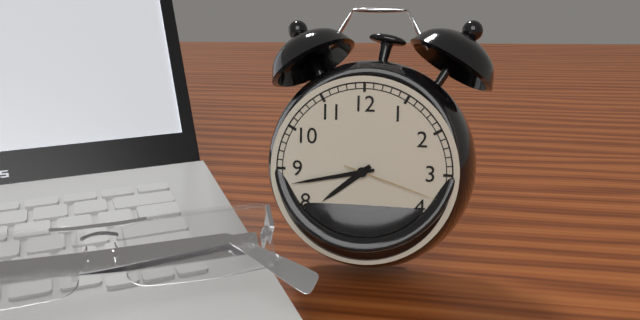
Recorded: 7 h 43 min 18 s
